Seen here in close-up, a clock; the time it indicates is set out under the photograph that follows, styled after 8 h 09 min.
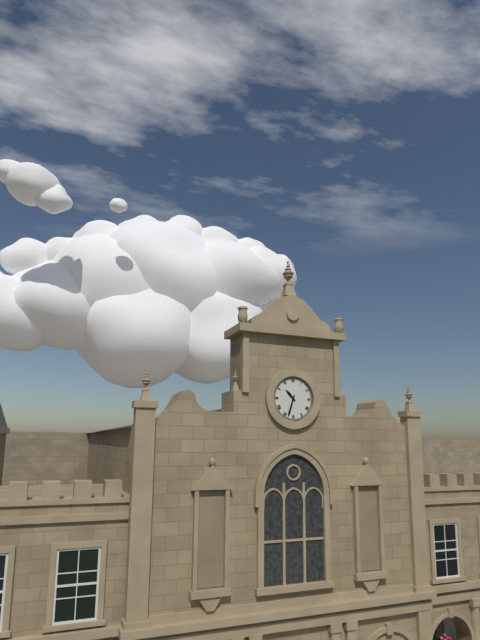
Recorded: 10 h 33 min
